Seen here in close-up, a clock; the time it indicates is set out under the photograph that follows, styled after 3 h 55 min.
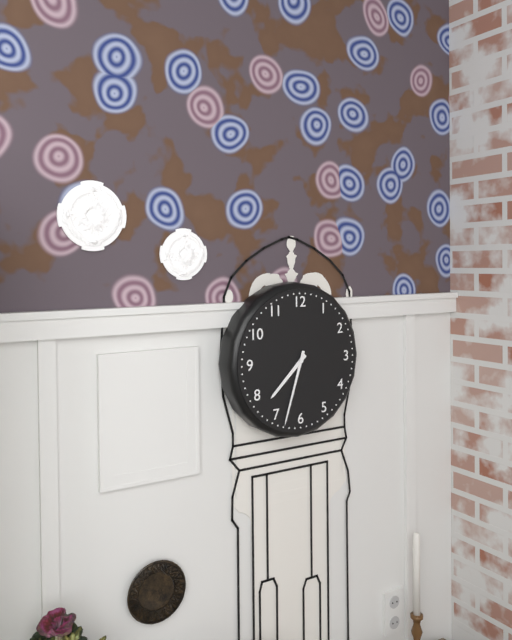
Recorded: 7 h 33 min
